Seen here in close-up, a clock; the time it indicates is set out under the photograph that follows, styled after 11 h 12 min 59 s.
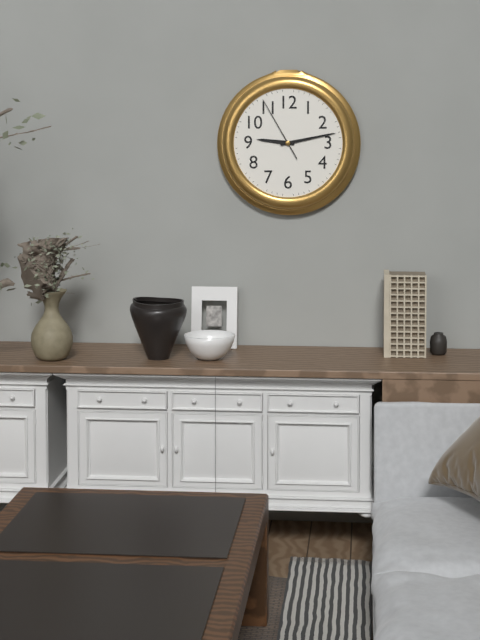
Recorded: 9 h 13 min 55 s
